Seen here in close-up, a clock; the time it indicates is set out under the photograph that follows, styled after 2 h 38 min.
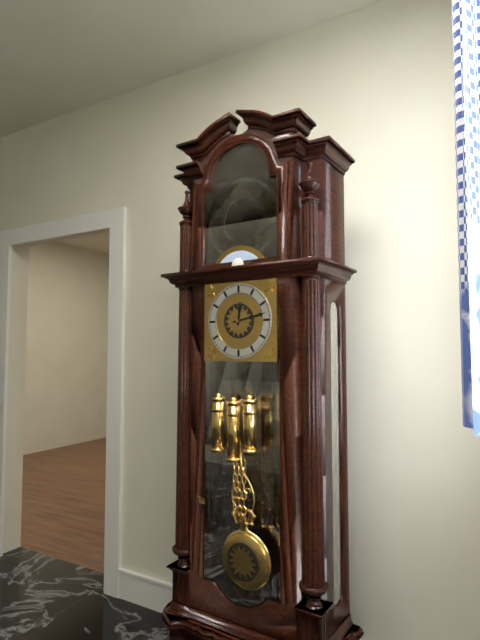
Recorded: 12 h 13 min
